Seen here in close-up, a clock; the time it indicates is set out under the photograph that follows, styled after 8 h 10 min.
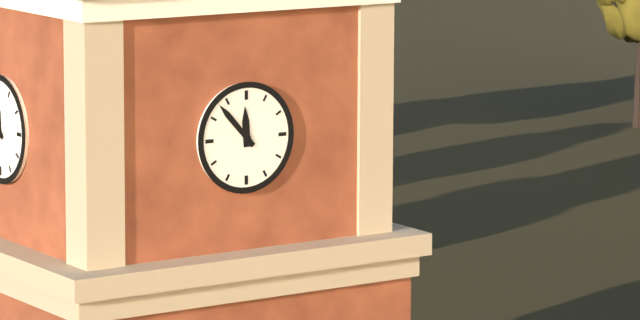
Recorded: 11 h 53 min
